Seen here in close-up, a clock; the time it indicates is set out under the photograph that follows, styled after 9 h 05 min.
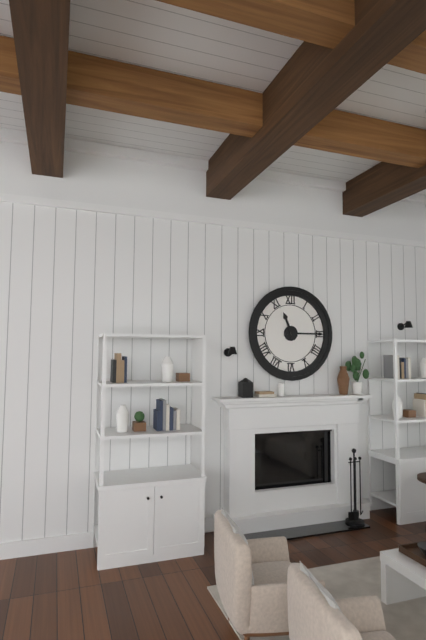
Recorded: 11 h 15 min
